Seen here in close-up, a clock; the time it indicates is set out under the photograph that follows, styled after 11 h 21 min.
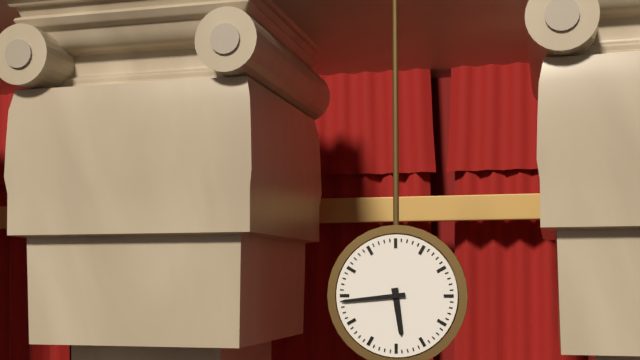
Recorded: 5 h 44 min
